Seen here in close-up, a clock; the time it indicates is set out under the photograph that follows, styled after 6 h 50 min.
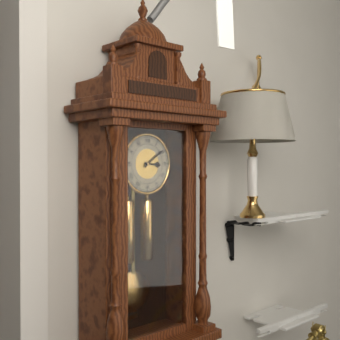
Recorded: 3 h 09 min
